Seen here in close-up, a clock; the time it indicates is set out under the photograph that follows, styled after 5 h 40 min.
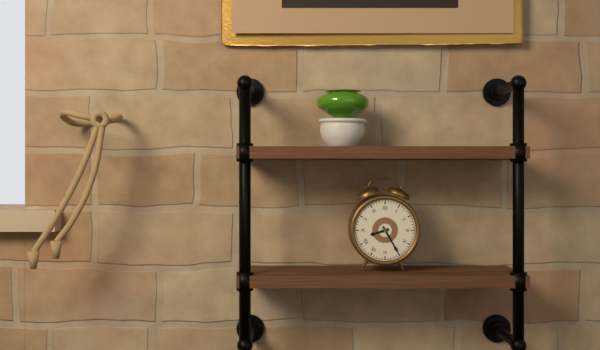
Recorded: 8 h 25 min
